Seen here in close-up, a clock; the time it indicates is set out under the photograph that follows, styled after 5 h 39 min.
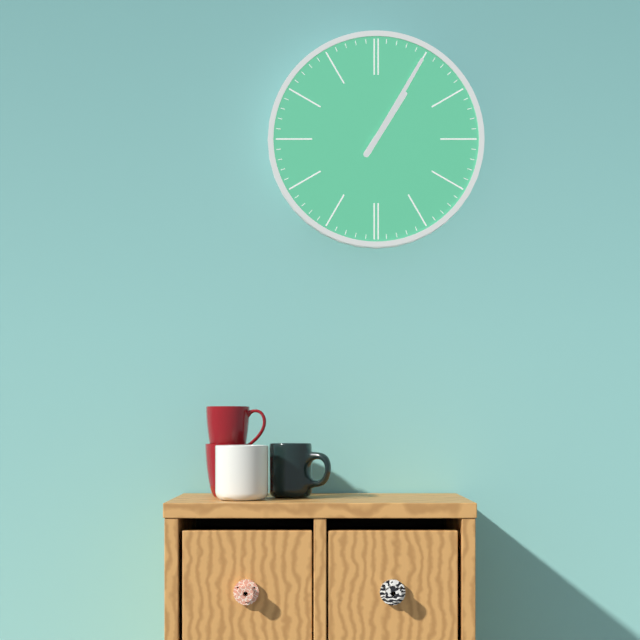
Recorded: 1 h 05 min
